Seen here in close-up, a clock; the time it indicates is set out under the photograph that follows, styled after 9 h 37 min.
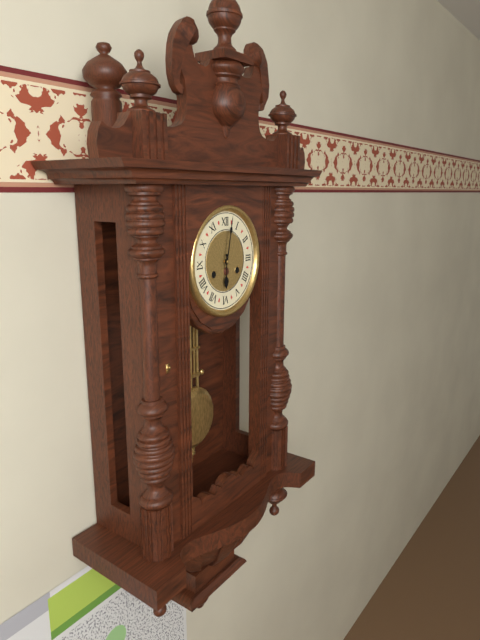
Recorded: 6 h 02 min
